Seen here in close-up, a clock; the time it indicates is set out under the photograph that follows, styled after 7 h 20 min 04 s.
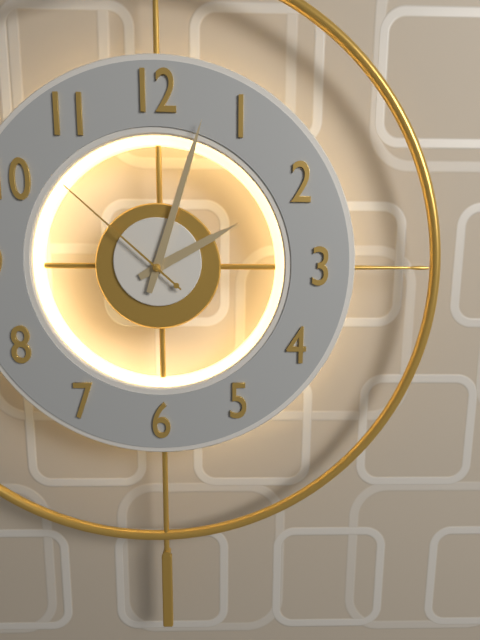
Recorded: 2 h 03 min 52 s
